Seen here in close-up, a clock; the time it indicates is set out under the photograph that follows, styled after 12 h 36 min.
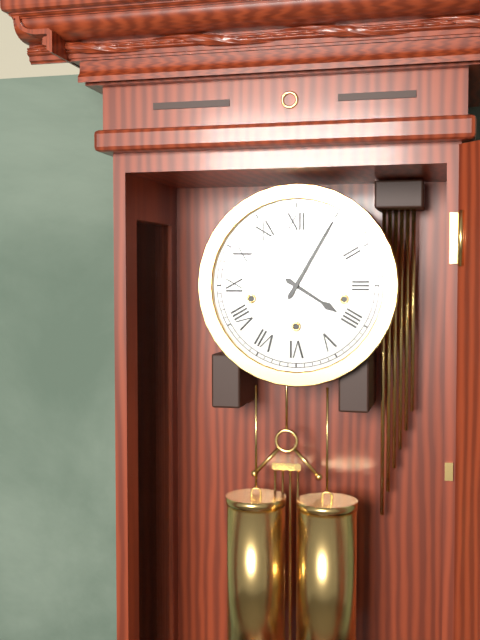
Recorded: 4 h 05 min
